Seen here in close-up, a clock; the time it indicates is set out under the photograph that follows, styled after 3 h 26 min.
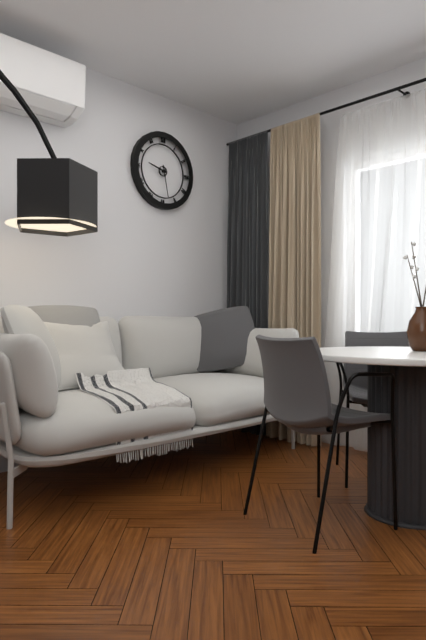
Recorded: 9 h 28 min
